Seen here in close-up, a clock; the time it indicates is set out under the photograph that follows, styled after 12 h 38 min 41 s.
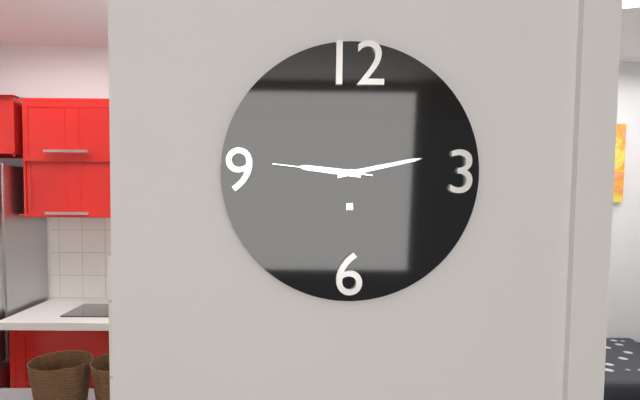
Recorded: 9 h 13 min 46 s
